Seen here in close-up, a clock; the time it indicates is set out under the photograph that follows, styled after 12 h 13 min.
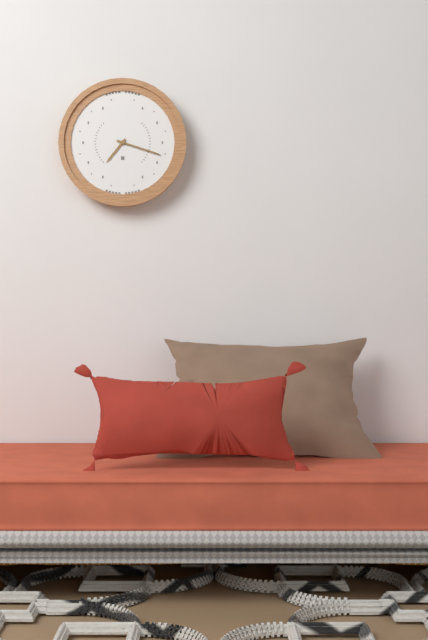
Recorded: 7 h 18 min
